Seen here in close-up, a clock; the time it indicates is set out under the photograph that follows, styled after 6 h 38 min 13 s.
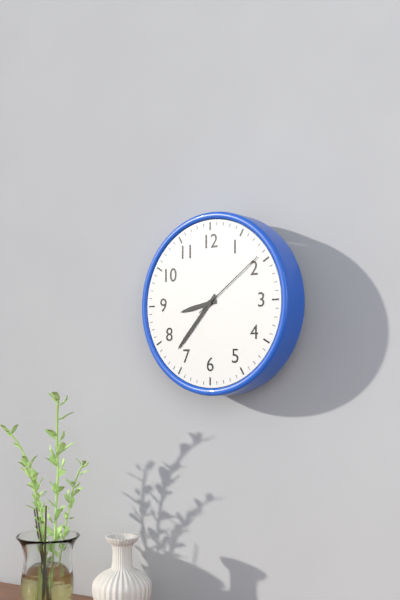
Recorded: 8 h 37 min 09 s
